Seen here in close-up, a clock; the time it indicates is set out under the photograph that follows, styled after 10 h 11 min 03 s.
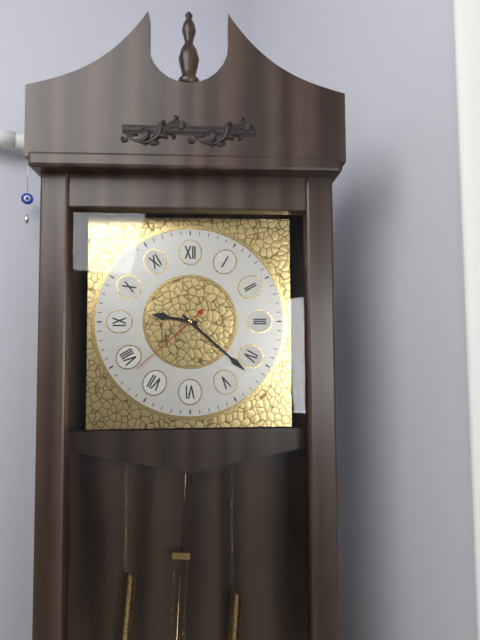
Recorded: 9 h 22 min 38 s
